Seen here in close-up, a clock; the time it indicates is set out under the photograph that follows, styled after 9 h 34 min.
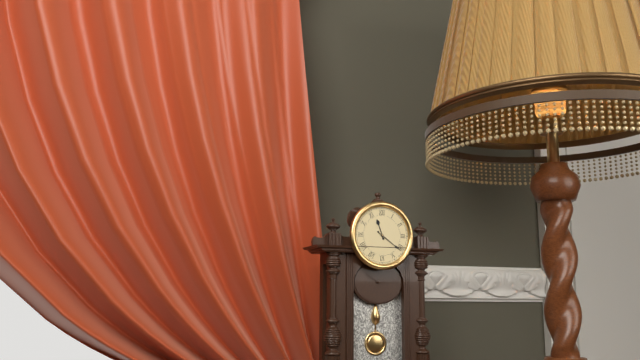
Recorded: 11 h 21 min
